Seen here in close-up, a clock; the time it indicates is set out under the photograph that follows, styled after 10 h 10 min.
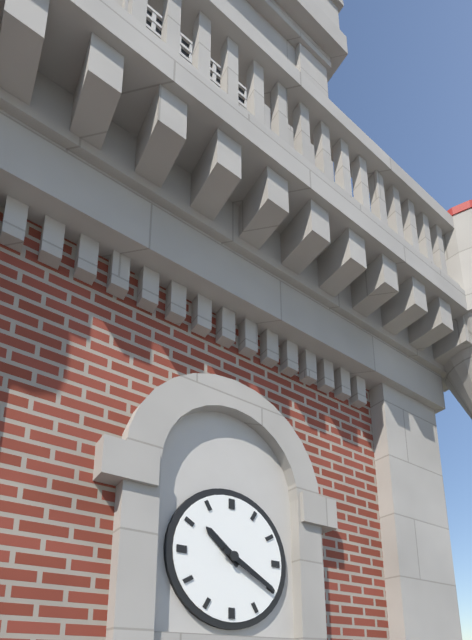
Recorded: 10 h 20 min
